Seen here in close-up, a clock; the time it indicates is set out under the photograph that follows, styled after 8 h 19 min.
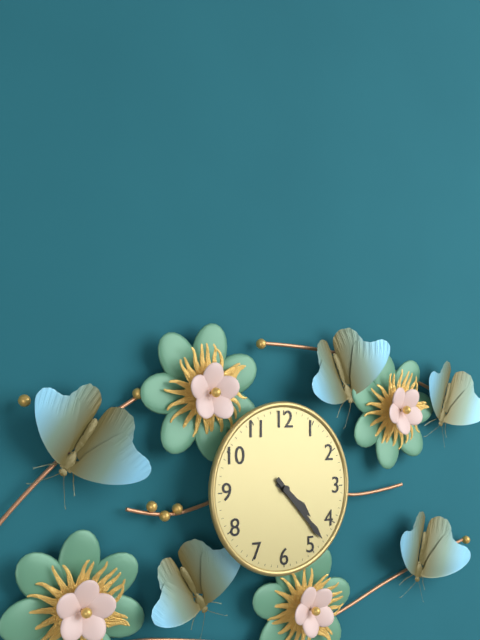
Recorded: 4 h 23 min
